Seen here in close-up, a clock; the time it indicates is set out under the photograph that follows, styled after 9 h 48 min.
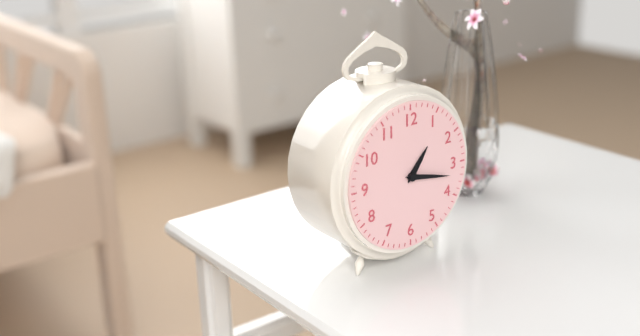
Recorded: 1 h 17 min
